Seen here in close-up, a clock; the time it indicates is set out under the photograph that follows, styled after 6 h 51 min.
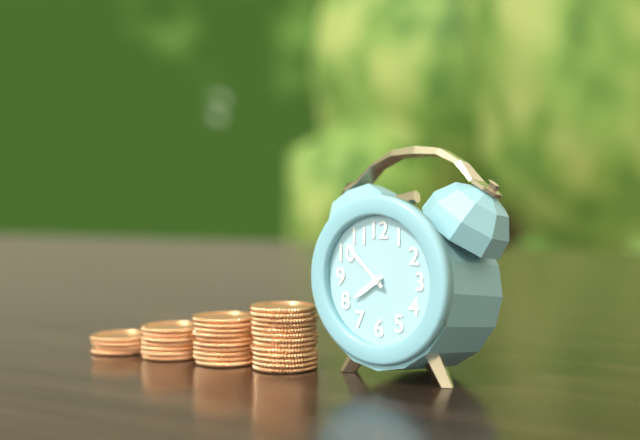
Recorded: 7 h 52 min
